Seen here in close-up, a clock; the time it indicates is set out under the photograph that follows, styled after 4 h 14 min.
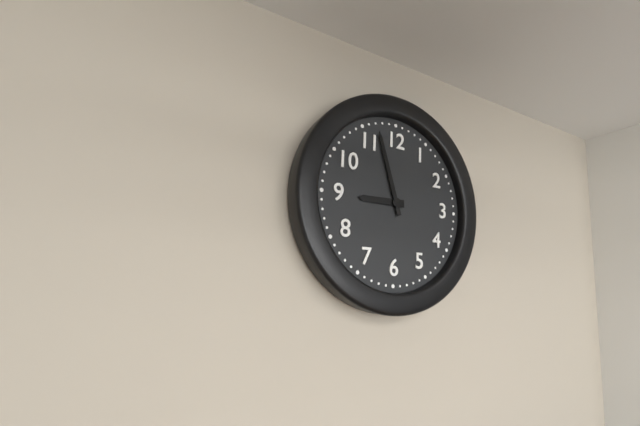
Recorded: 8 h 57 min
